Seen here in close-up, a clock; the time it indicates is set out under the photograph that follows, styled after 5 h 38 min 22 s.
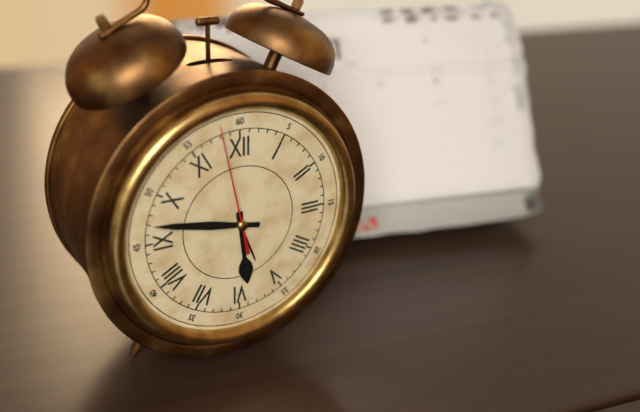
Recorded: 5 h 47 min 58 s
